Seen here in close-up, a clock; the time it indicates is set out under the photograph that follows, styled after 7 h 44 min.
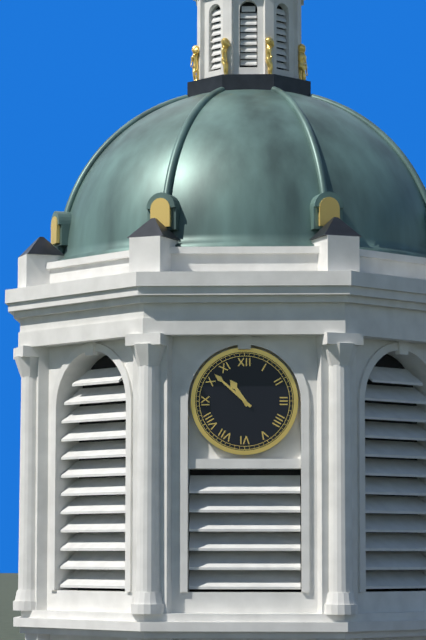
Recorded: 10 h 52 min
